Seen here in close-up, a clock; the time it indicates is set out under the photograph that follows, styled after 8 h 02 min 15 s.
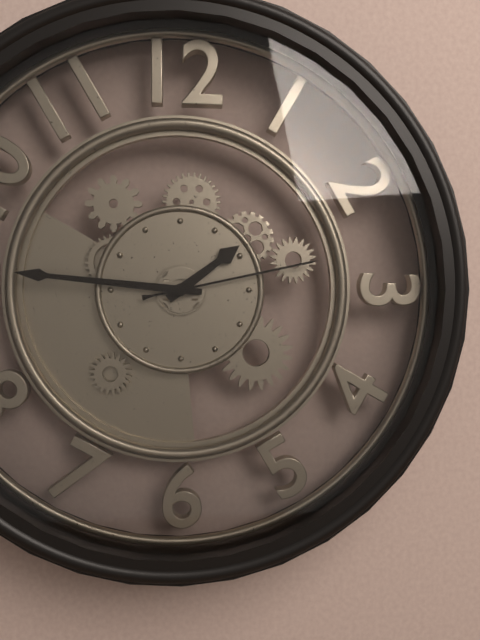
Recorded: 1 h 46 min 13 s
